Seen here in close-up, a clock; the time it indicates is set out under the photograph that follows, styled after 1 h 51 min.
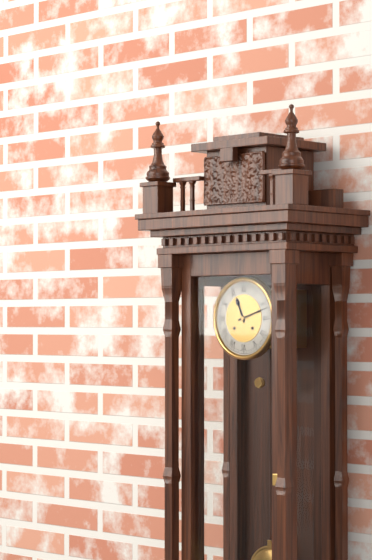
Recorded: 11 h 12 min
